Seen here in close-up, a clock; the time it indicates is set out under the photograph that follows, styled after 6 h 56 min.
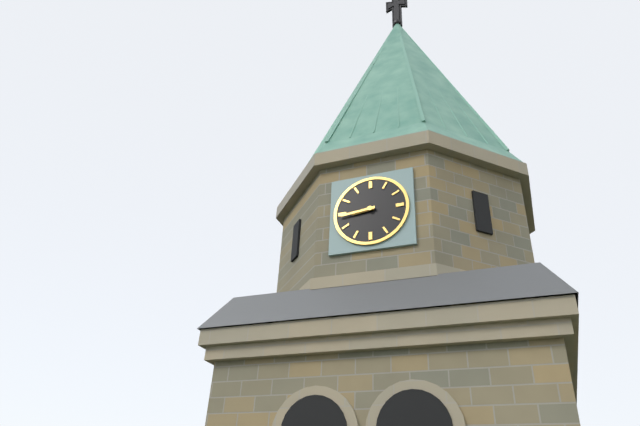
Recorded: 8 h 44 min
